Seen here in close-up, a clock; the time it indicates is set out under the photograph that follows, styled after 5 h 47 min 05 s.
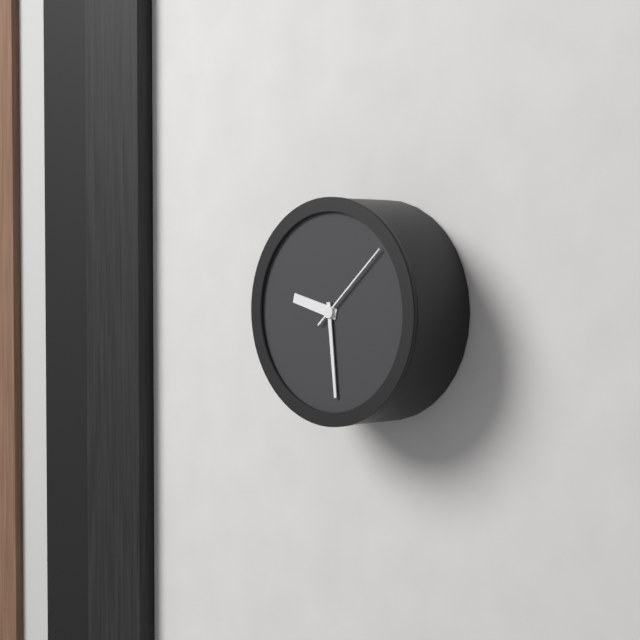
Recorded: 9 h 29 min 08 s
